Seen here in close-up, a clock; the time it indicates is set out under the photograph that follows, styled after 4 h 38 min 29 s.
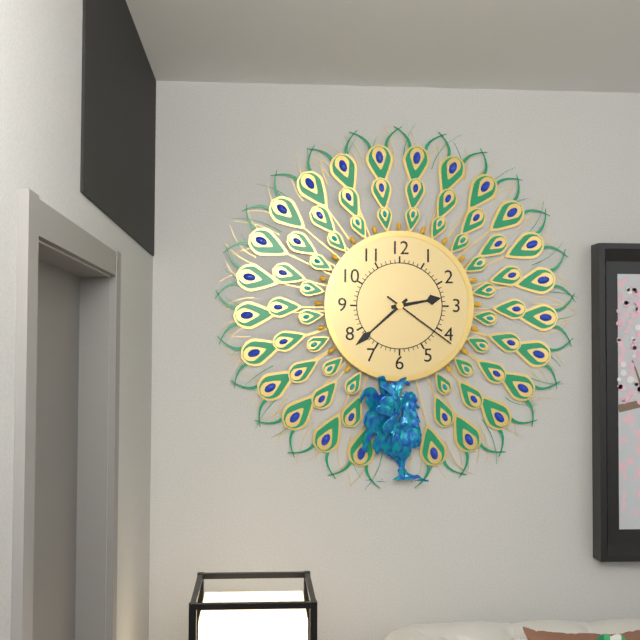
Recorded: 2 h 38 min 21 s
